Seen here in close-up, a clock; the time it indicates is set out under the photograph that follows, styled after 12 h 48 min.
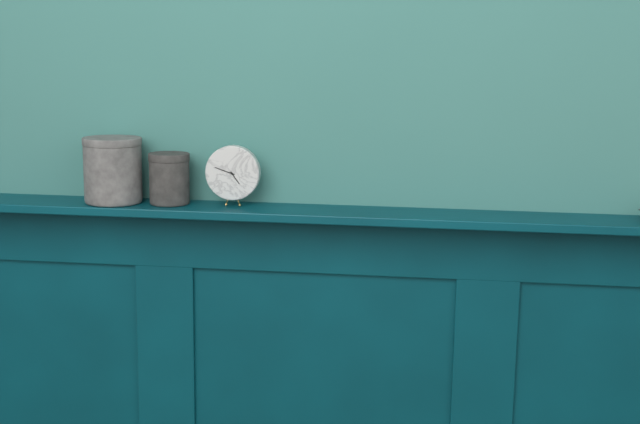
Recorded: 4 h 48 min
